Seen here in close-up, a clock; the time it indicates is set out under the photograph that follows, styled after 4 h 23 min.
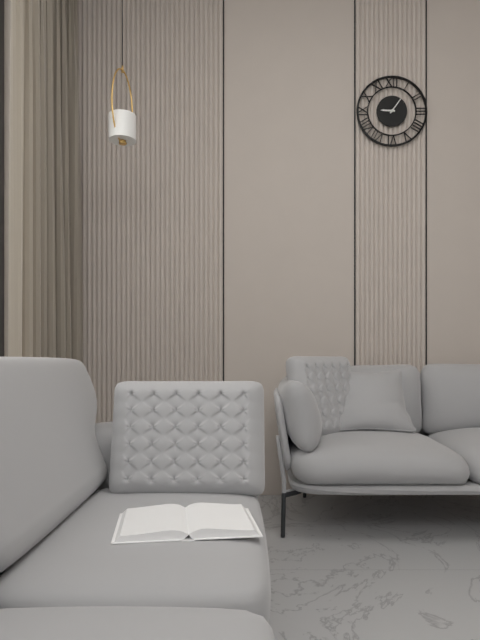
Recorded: 9 h 06 min
